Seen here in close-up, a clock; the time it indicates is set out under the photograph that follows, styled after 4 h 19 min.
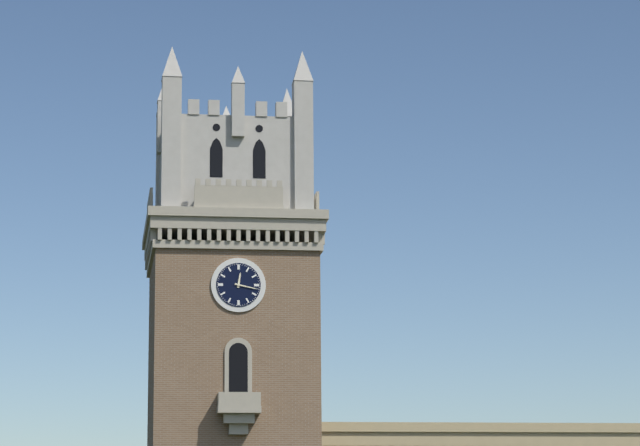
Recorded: 12 h 17 min
